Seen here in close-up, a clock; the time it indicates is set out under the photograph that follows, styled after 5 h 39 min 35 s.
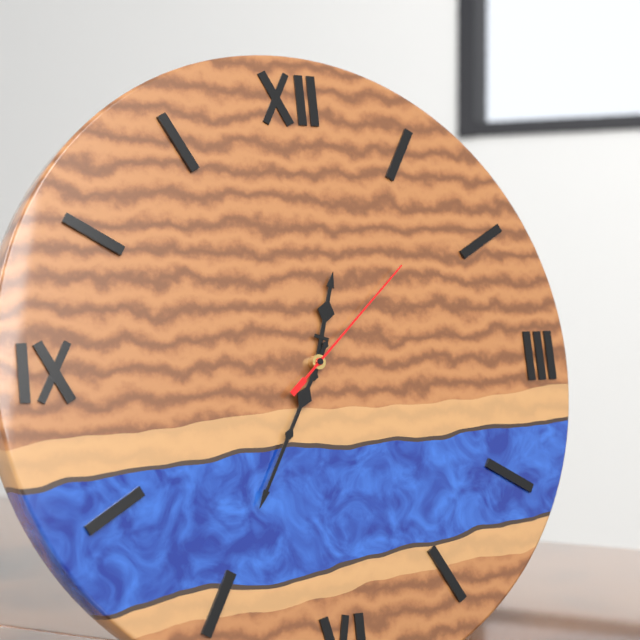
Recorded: 12 h 35 min 08 s
